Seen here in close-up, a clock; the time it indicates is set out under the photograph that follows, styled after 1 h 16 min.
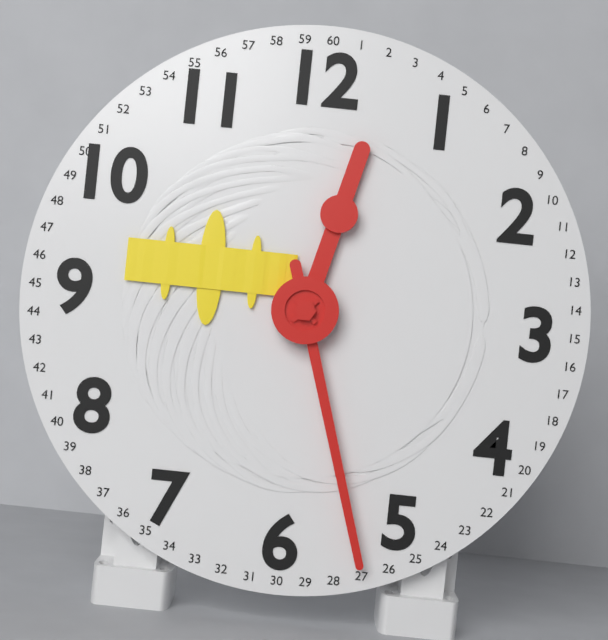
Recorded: 12 h 27 min
